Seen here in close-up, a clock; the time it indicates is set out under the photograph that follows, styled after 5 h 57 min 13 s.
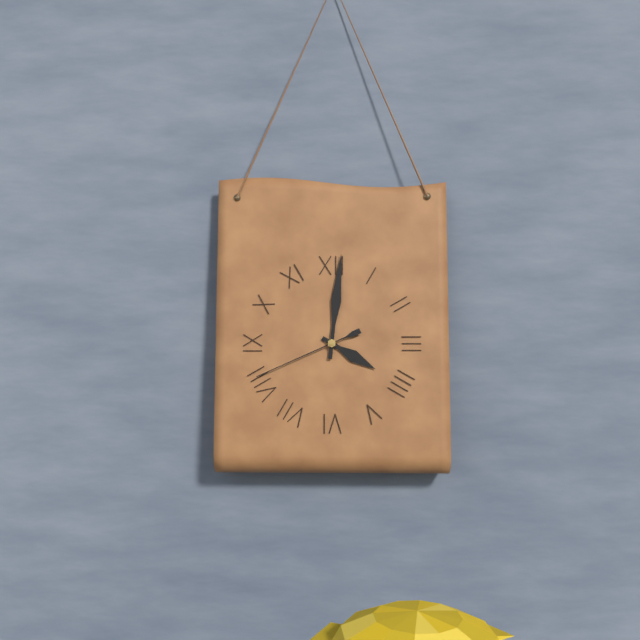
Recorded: 4 h 01 min 41 s
